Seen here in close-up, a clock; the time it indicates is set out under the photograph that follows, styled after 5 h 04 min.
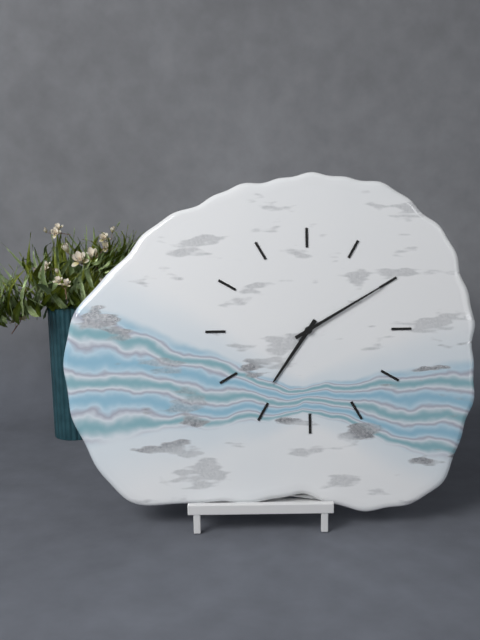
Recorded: 7 h 10 min
